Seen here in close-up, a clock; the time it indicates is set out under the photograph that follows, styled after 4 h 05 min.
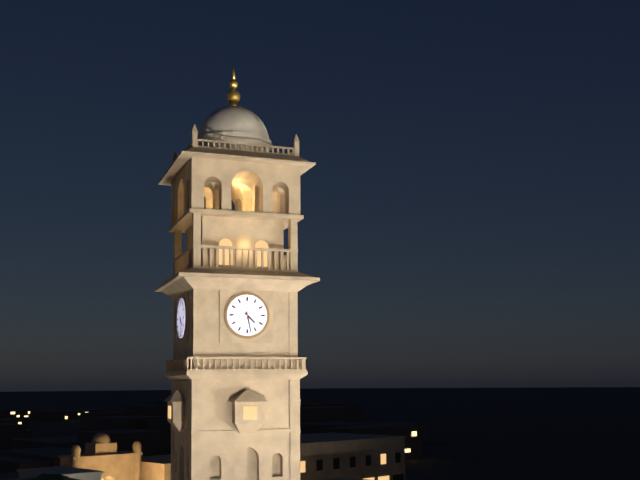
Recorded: 4 h 28 min
